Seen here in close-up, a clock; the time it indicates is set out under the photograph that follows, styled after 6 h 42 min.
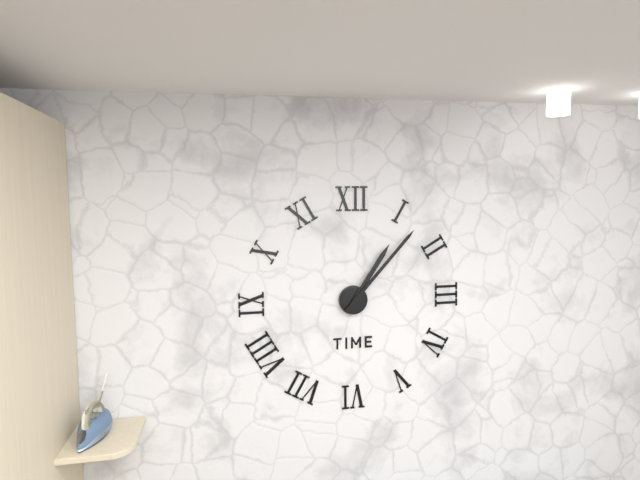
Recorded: 1 h 07 min
